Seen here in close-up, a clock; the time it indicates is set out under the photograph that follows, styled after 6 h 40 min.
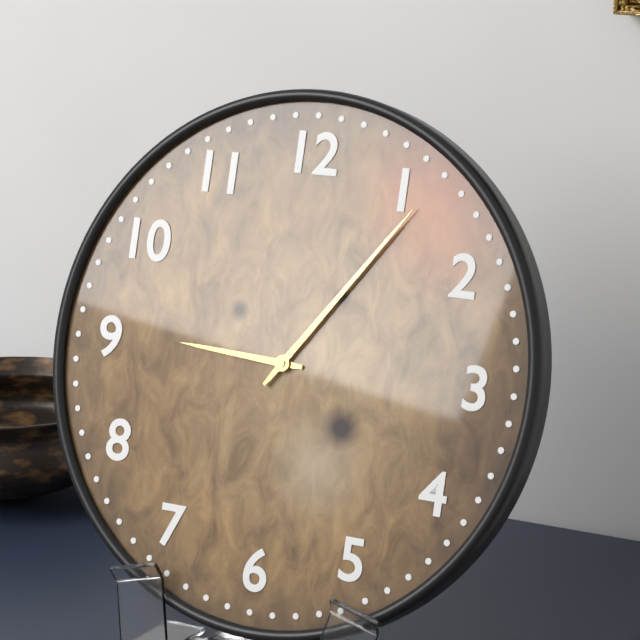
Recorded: 9 h 06 min
